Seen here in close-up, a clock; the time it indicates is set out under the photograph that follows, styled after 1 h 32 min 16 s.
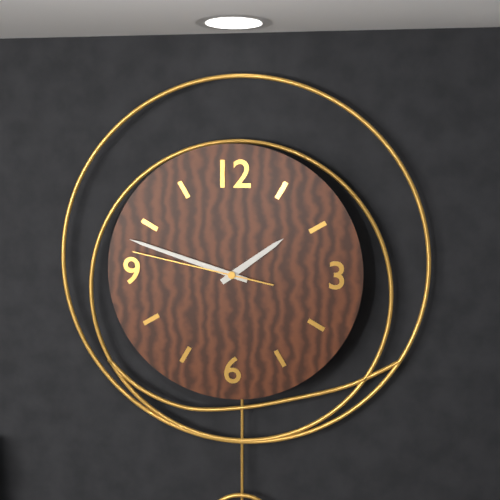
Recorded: 1 h 48 min 47 s
